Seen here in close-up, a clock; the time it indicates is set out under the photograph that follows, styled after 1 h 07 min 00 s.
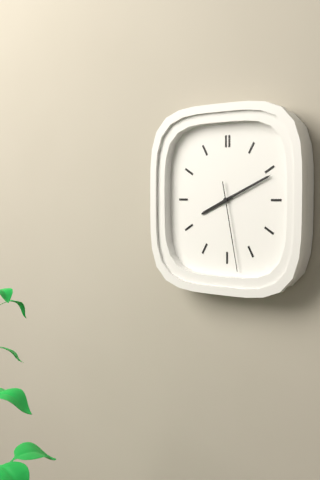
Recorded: 8 h 11 min 28 s
